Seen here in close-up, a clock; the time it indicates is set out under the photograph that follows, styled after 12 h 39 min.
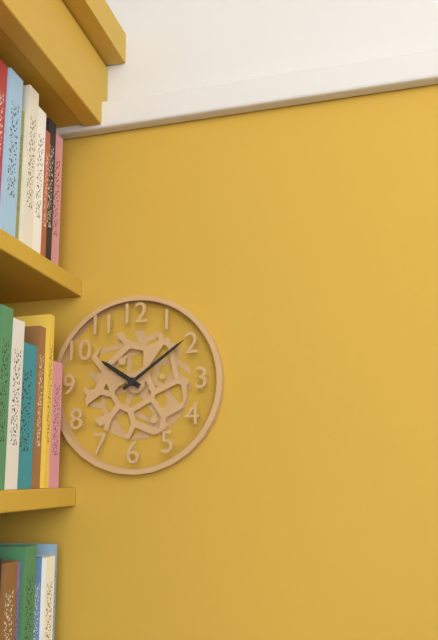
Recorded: 10 h 09 min
